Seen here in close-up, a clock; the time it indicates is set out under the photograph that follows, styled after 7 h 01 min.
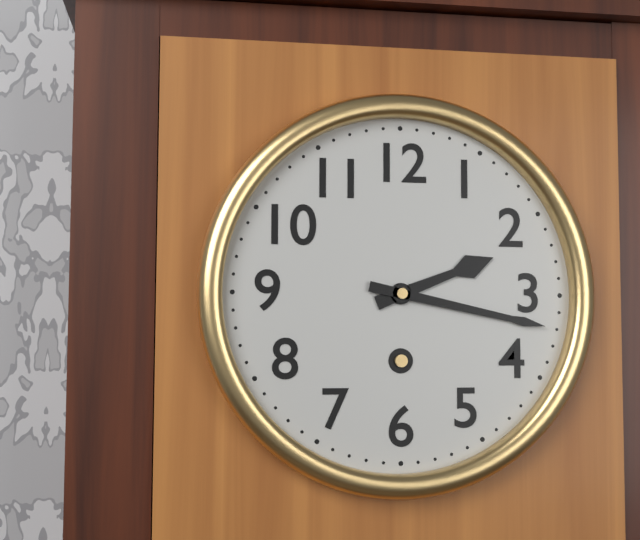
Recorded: 2 h 17 min
